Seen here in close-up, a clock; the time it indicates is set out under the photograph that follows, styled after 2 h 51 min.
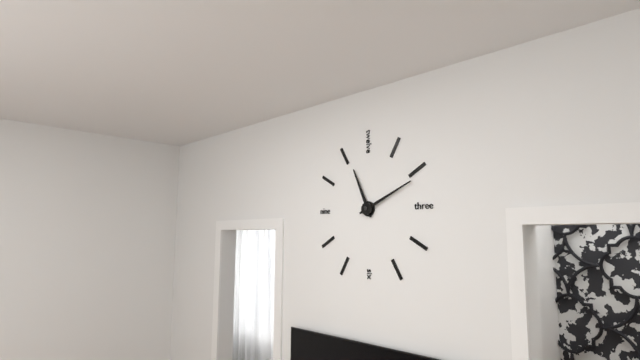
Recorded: 11 h 11 min
